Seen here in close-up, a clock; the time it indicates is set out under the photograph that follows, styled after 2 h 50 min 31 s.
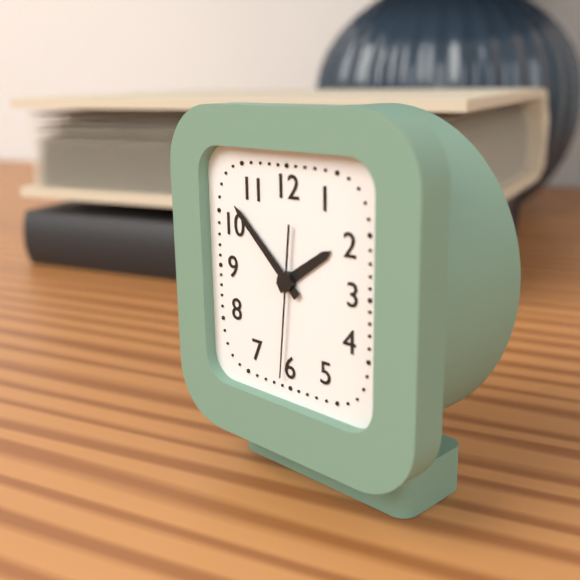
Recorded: 1 h 52 min 31 s
